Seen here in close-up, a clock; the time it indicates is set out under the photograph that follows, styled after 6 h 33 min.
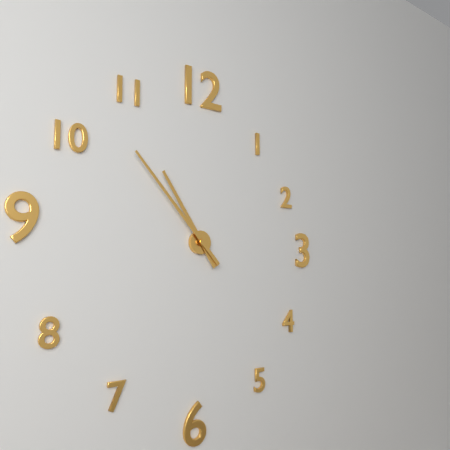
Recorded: 10 h 53 min
